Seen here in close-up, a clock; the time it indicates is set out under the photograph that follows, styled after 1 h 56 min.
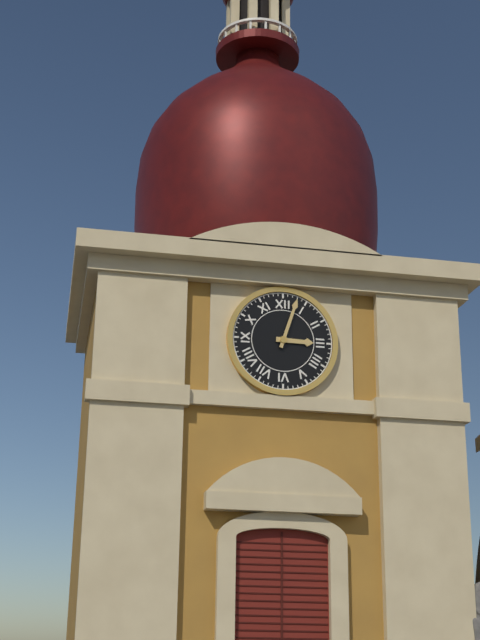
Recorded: 3 h 03 min
